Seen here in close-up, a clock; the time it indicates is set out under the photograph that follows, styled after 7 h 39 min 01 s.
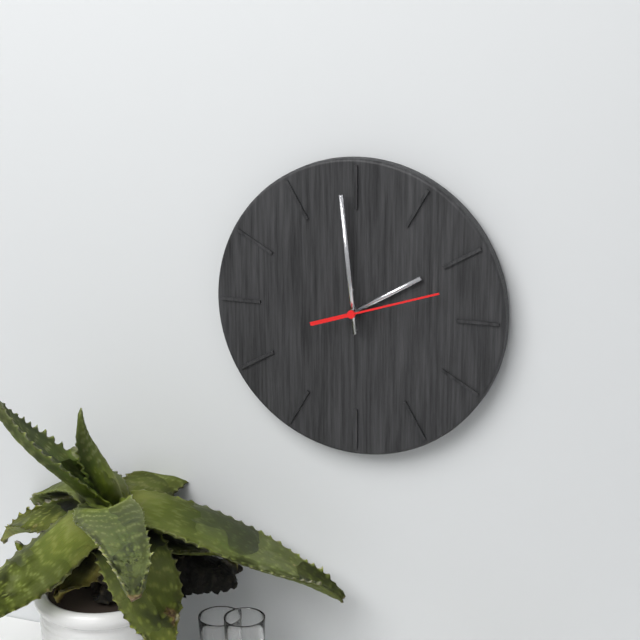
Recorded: 1 h 59 min 12 s
